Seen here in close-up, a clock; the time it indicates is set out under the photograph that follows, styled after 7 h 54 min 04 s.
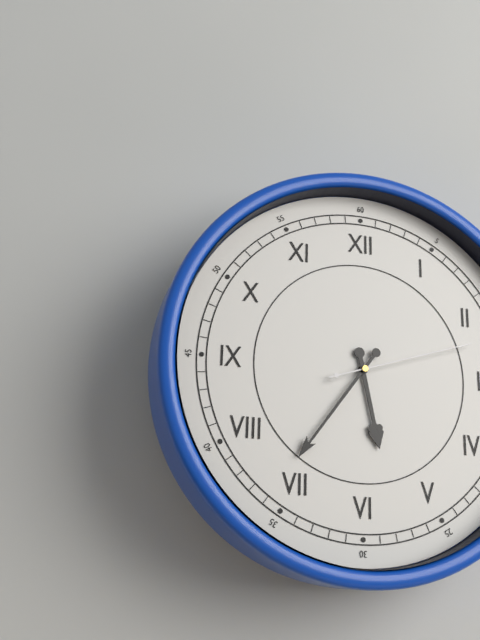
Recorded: 5 h 36 min 12 s
